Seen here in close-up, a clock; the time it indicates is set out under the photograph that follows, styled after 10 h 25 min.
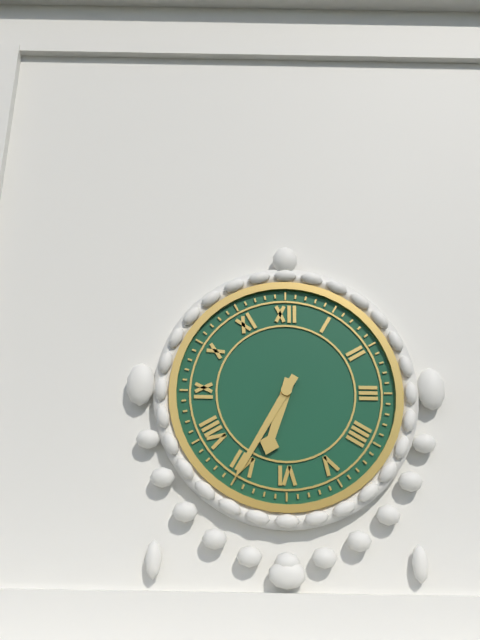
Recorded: 6 h 35 min
